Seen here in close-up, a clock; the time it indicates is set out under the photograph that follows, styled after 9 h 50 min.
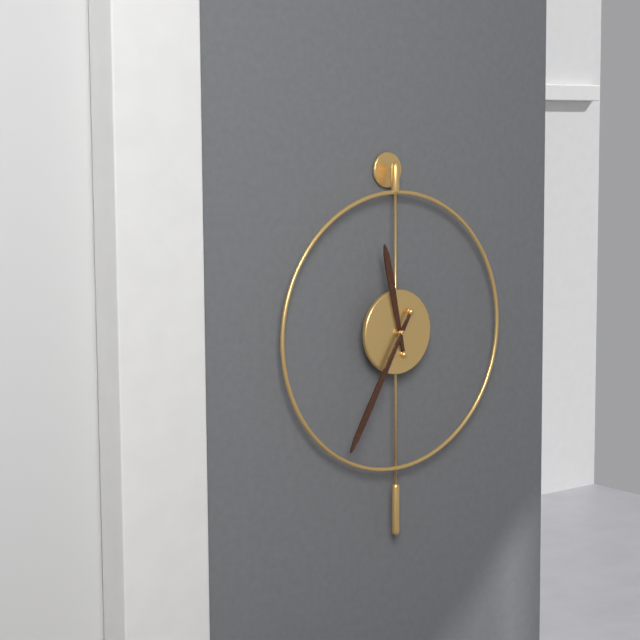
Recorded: 11 h 35 min
